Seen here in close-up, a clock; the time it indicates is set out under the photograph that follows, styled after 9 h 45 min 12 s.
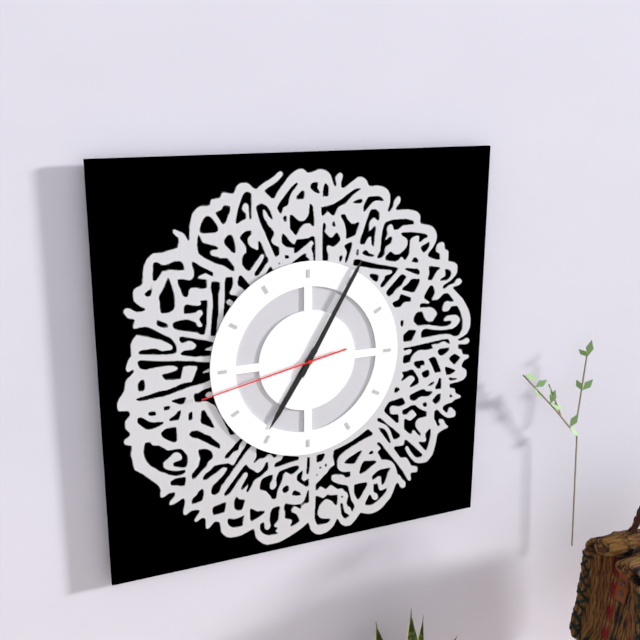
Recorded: 7 h 05 min 43 s
